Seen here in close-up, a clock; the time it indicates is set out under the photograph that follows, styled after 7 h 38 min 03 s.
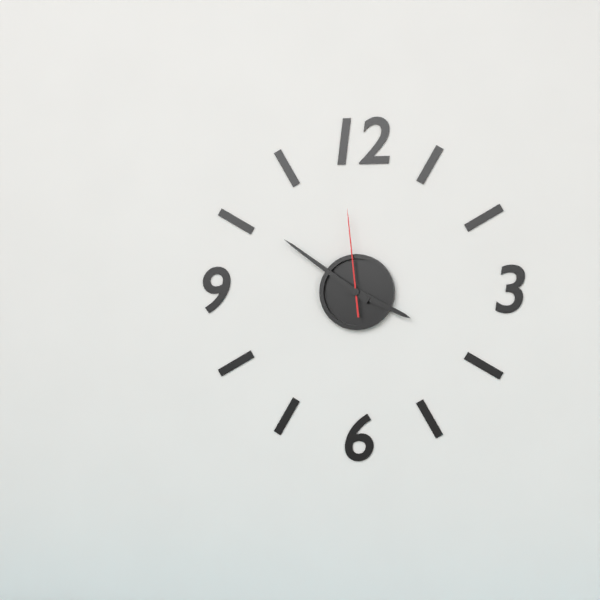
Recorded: 3 h 51 min 59 s
